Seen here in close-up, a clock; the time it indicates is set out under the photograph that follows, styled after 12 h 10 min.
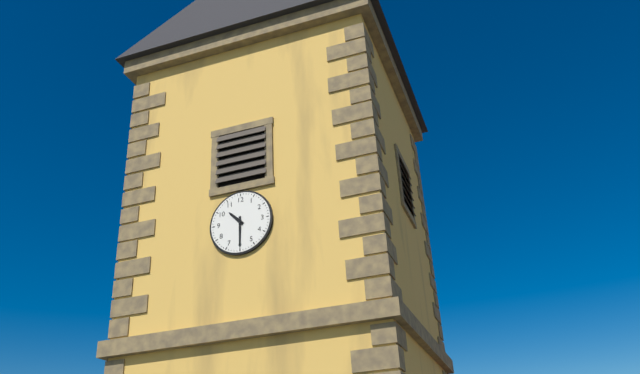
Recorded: 10 h 30 min
